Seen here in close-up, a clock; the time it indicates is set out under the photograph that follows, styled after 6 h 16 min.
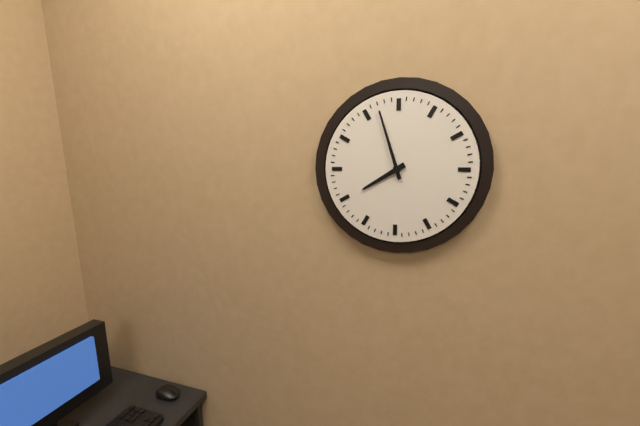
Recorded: 7 h 57 min
